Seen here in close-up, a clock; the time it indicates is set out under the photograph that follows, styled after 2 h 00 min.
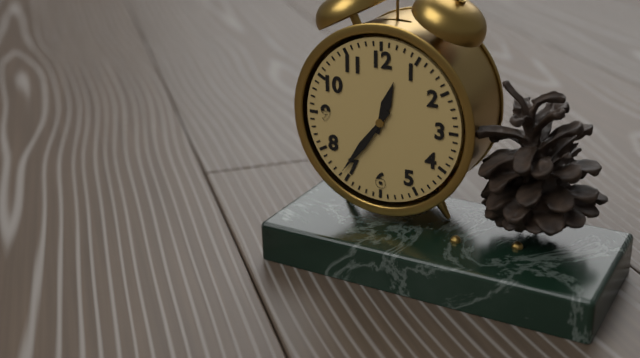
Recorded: 12 h 36 min
